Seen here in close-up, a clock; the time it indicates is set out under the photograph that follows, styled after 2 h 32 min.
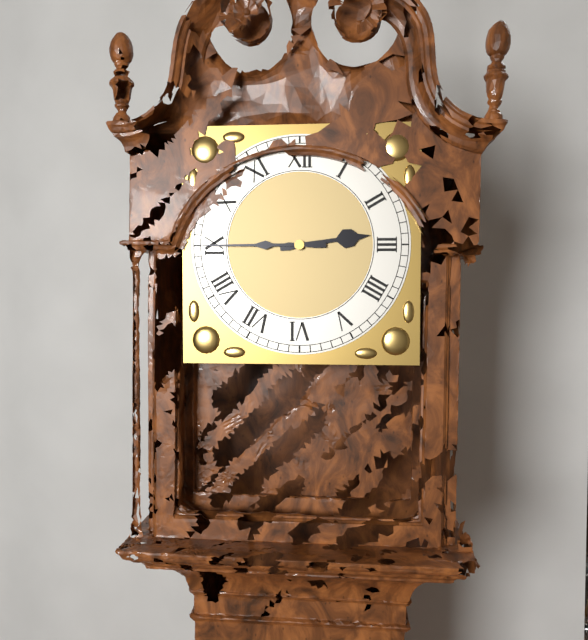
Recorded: 2 h 45 min
